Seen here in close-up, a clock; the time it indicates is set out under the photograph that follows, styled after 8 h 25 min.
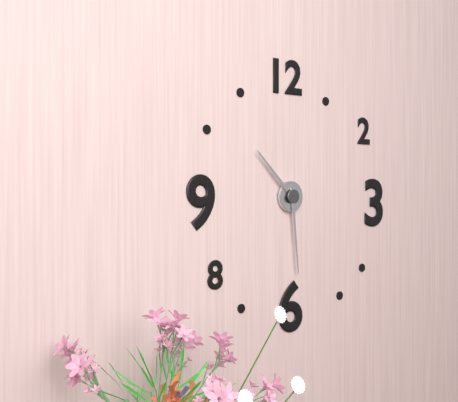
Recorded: 10 h 29 min
